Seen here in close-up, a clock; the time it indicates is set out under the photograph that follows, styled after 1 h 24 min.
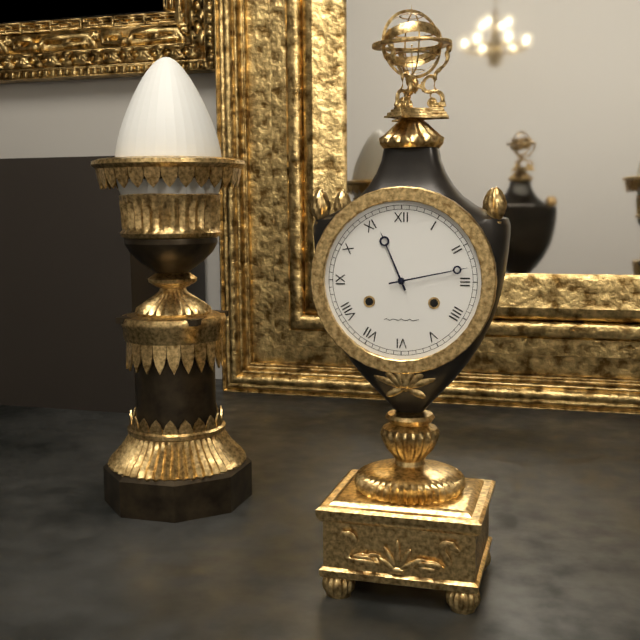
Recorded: 11 h 13 min
